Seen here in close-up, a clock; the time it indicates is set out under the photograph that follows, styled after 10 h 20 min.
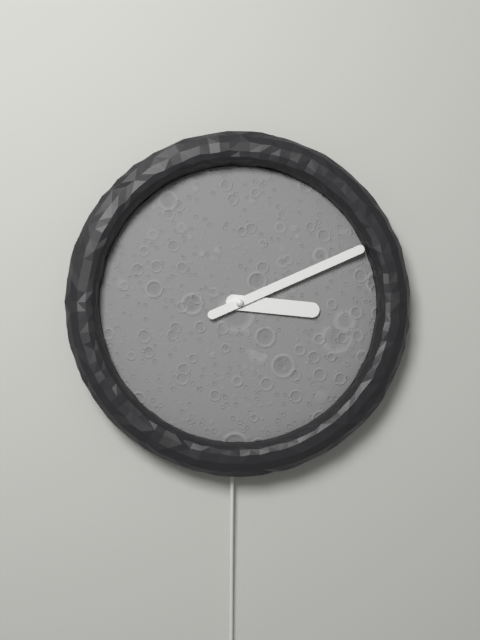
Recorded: 3 h 11 min
